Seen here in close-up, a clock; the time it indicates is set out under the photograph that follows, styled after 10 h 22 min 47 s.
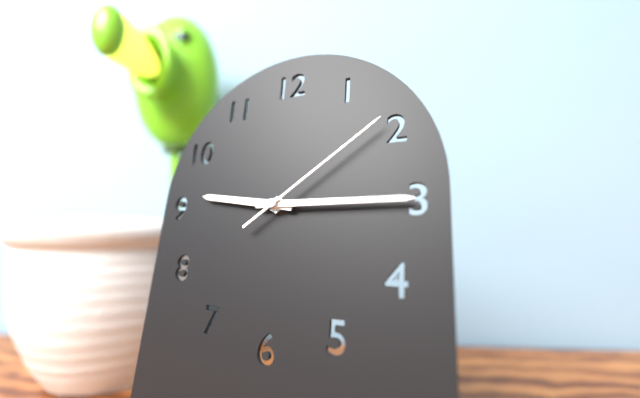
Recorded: 9 h 15 min 09 s
